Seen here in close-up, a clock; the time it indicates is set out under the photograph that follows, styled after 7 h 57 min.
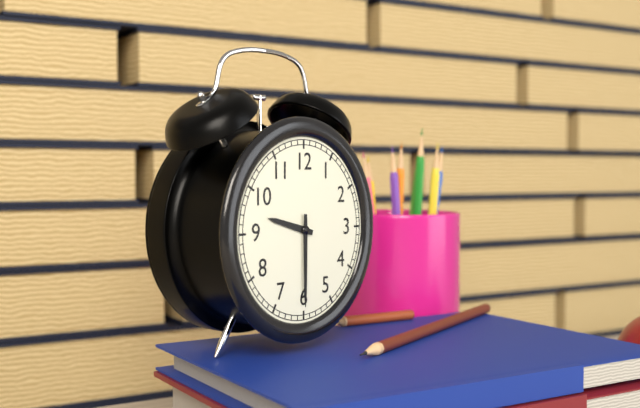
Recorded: 9 h 30 min
